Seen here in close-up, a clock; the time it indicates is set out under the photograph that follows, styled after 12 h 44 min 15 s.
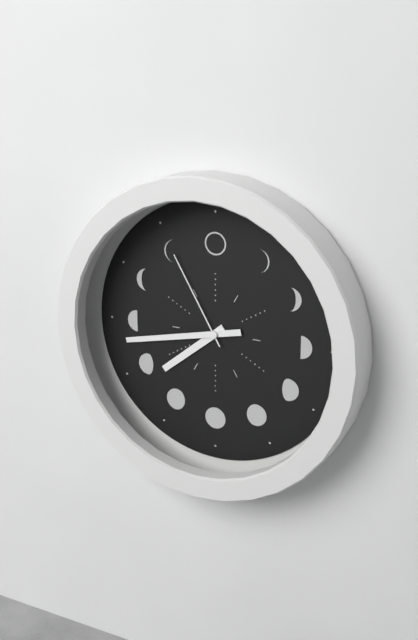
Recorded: 7 h 43 min 55 s
